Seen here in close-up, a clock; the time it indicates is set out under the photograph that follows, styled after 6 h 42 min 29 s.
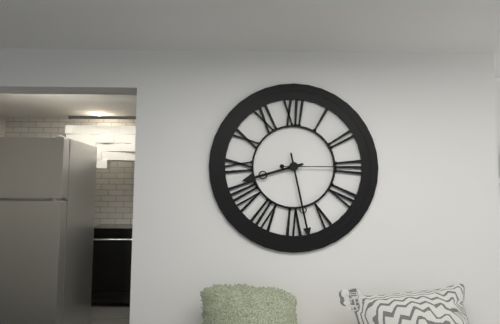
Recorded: 8 h 28 min 15 s
